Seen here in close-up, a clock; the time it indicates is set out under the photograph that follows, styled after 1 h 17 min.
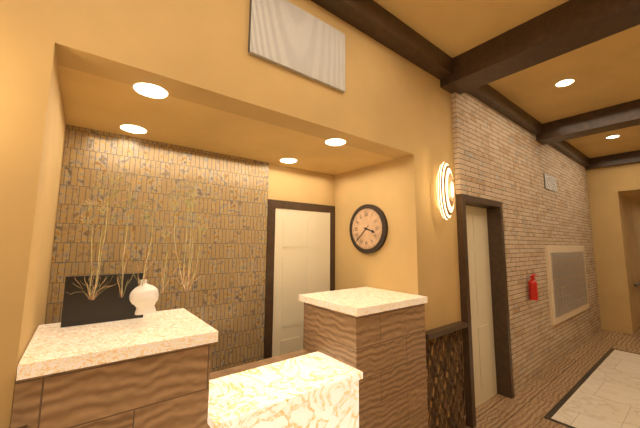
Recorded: 3 h 38 min
